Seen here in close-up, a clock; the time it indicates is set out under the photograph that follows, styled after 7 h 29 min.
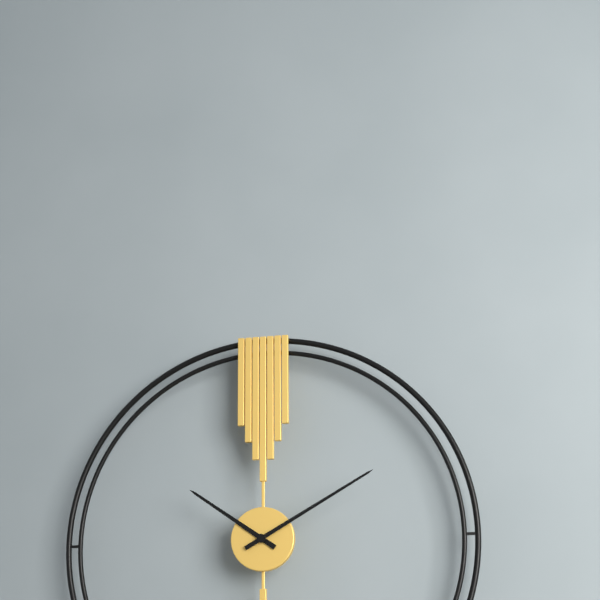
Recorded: 10 h 10 min
